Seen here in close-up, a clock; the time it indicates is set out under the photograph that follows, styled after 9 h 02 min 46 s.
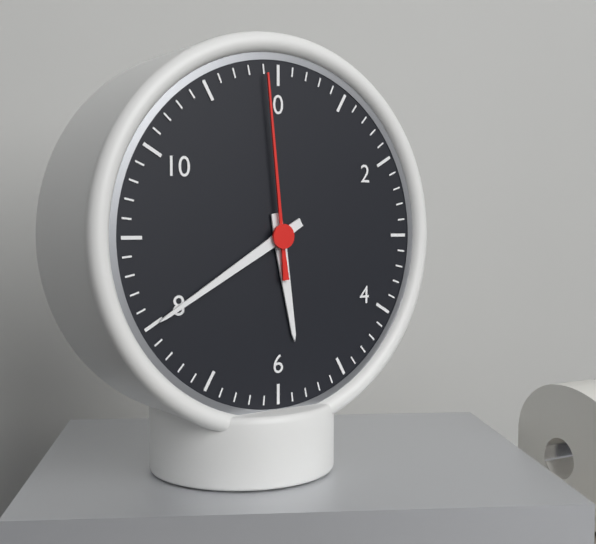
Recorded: 5 h 40 min 59 s
